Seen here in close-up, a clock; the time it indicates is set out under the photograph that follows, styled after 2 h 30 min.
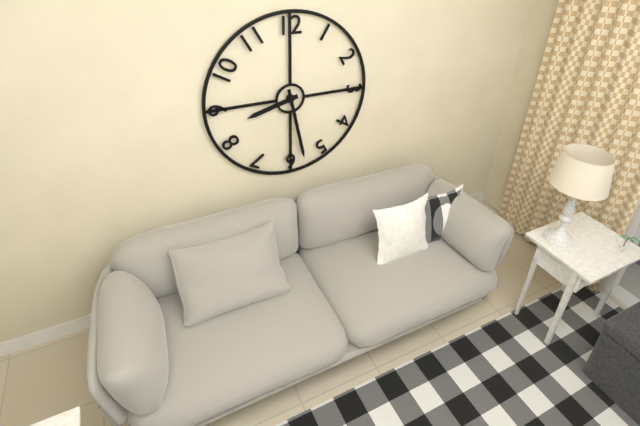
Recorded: 8 h 28 min
